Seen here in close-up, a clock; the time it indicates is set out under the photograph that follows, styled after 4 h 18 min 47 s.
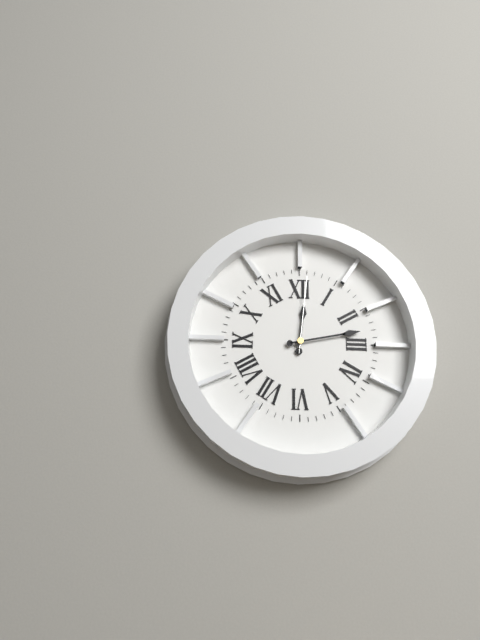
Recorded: 12 h 13 min 01 s
